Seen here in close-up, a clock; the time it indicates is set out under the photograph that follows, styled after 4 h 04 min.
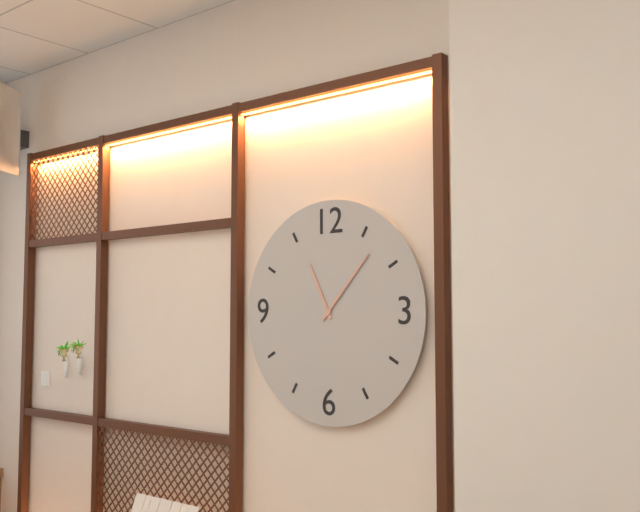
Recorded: 11 h 07 min
